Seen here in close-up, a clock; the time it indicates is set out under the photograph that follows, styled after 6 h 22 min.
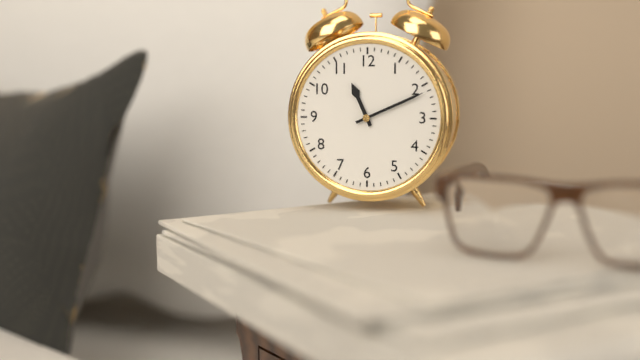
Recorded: 11 h 11 min
